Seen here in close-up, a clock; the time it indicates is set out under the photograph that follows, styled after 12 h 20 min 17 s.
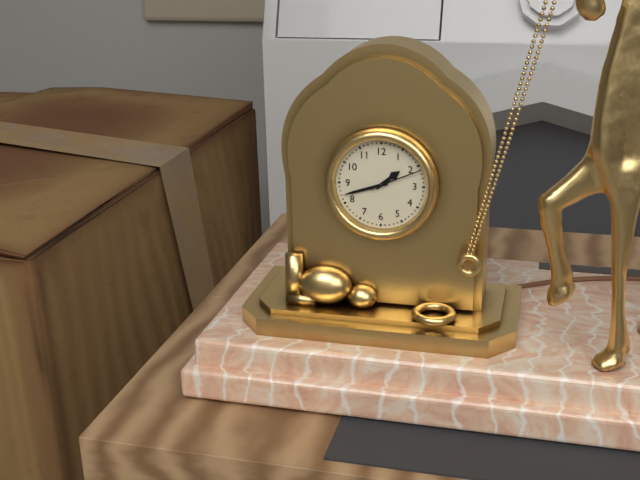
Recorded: 1 h 42 min 11 s
